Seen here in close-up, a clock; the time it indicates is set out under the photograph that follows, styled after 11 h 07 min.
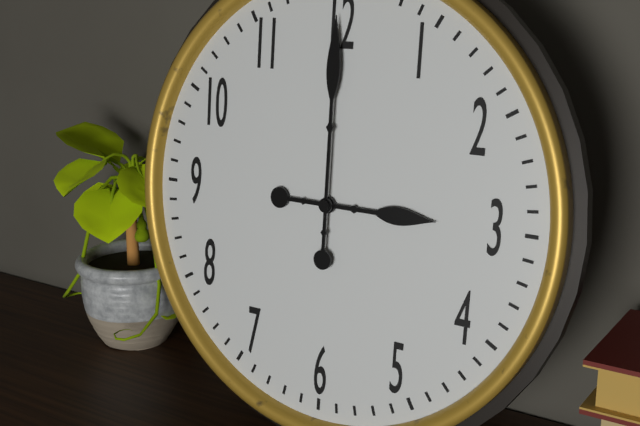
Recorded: 3 h 00 min
